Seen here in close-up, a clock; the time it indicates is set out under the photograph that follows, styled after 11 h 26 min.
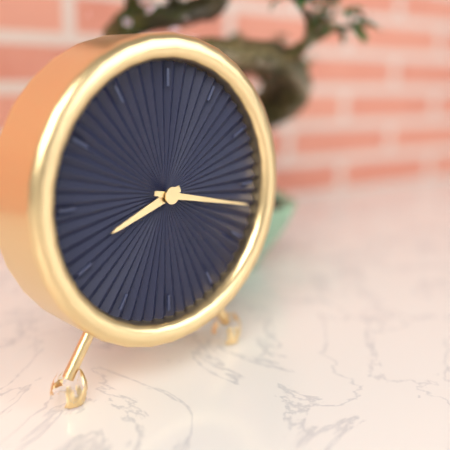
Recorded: 8 h 17 min
